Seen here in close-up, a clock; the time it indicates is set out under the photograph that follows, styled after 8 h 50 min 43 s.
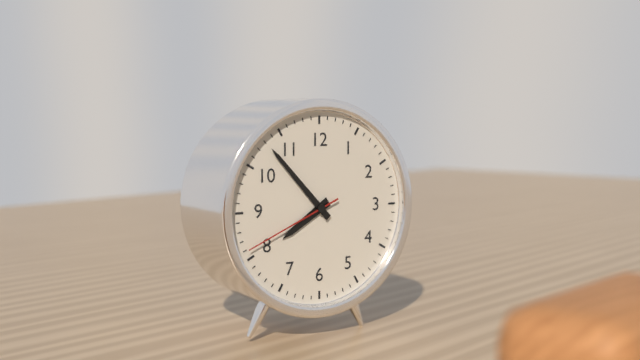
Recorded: 7 h 53 min 41 s
